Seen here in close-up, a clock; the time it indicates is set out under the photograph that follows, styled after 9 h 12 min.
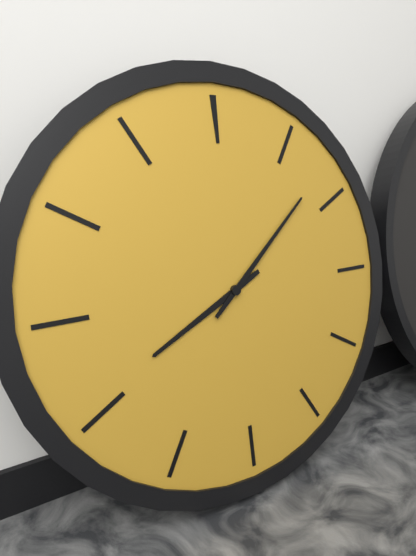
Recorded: 8 h 08 min
